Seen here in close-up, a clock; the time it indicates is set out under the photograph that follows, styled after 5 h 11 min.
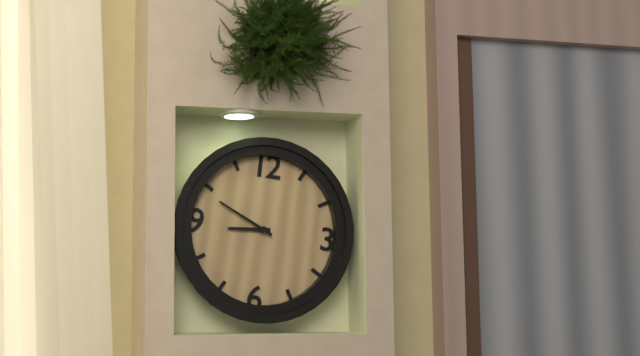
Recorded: 8 h 49 min
